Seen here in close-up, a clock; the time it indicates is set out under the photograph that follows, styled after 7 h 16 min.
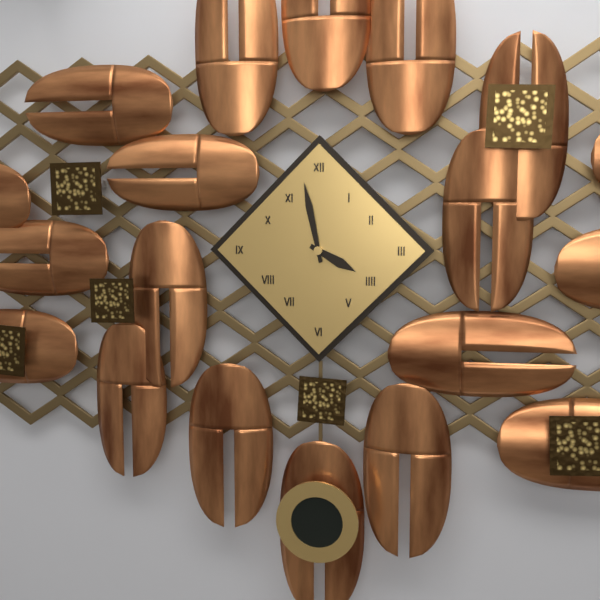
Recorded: 3 h 58 min
